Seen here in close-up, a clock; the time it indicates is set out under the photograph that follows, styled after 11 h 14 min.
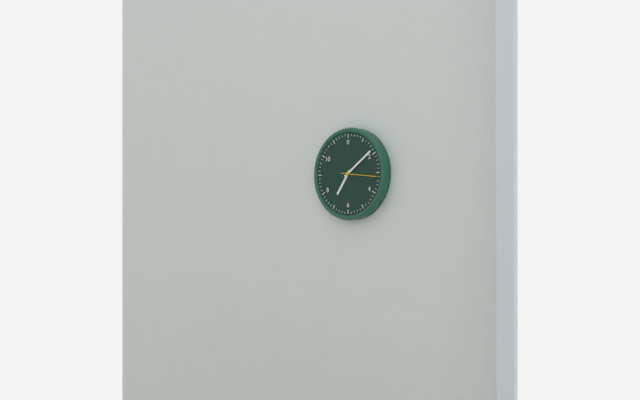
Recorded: 7 h 09 min
